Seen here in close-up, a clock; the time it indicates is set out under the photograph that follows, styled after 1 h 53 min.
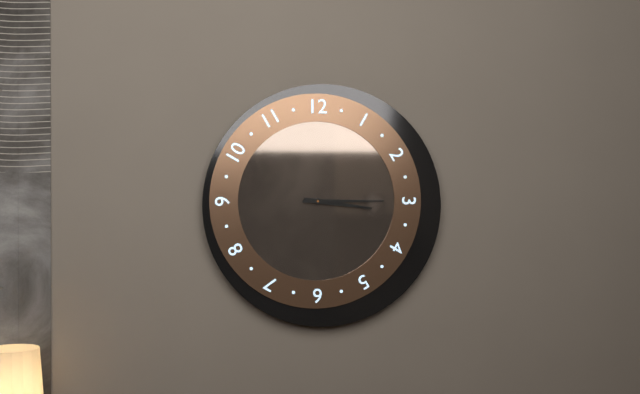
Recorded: 3 h 15 min
